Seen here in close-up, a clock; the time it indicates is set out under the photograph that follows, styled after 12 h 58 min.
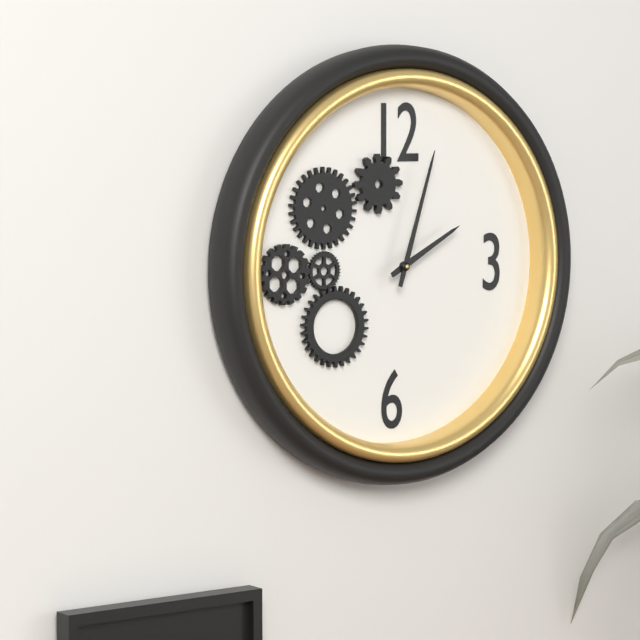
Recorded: 2 h 03 min
